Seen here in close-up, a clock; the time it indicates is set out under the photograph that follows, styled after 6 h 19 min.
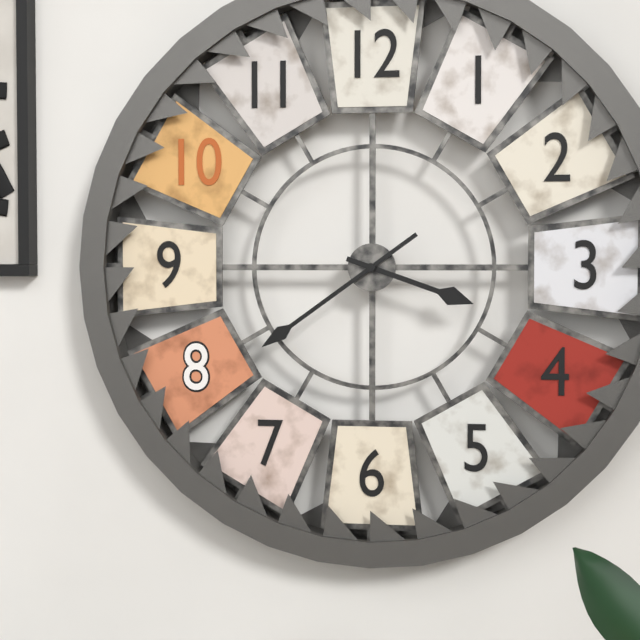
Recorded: 3 h 39 min
